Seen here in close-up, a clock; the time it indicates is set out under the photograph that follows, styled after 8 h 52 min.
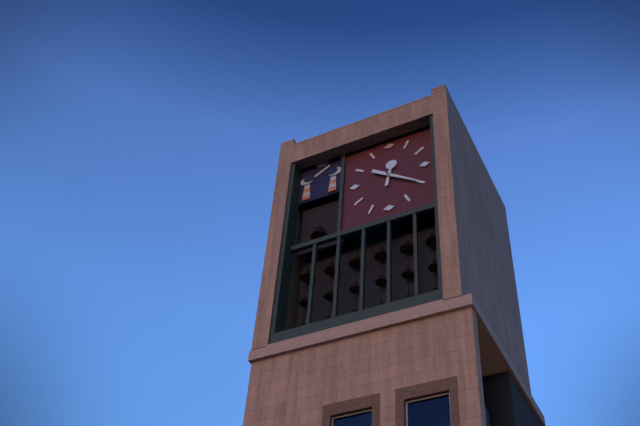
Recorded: 12 h 21 min
